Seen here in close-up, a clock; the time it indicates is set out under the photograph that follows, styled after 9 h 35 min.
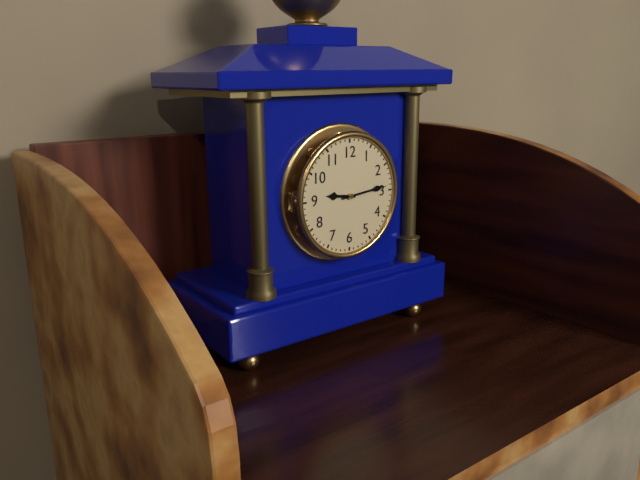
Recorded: 9 h 14 min
